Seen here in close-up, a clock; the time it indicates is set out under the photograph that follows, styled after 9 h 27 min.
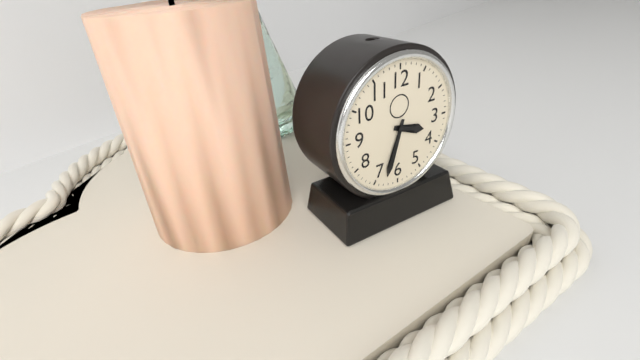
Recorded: 3 h 33 min
